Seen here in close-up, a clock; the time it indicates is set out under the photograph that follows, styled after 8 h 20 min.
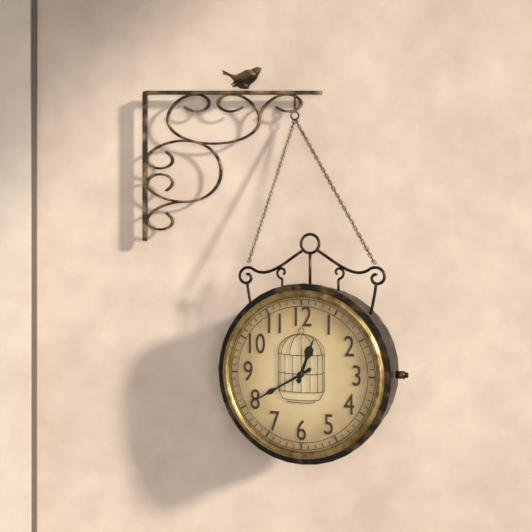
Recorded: 12 h 40 min
